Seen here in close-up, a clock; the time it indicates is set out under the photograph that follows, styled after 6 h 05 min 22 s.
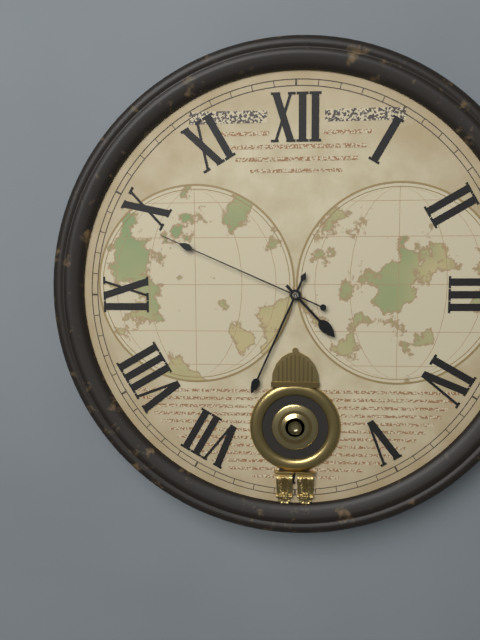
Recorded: 4 h 34 min 49 s
